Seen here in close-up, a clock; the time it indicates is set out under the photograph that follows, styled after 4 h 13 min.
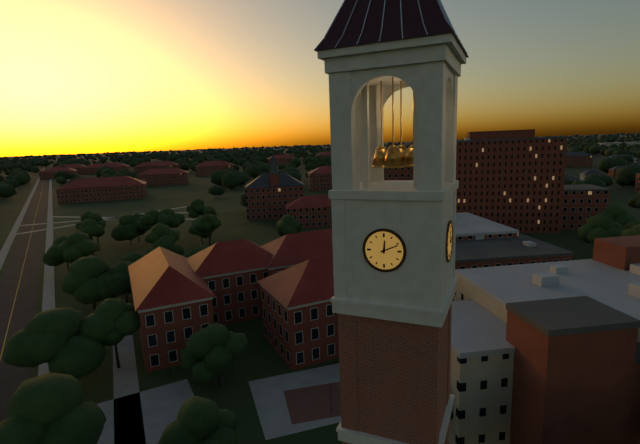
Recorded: 12 h 11 min
